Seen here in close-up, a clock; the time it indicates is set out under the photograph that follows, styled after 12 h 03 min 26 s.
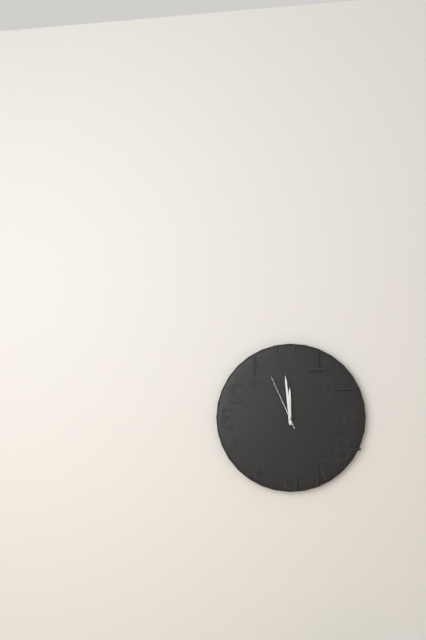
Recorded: 11 h 59 min 56 s
